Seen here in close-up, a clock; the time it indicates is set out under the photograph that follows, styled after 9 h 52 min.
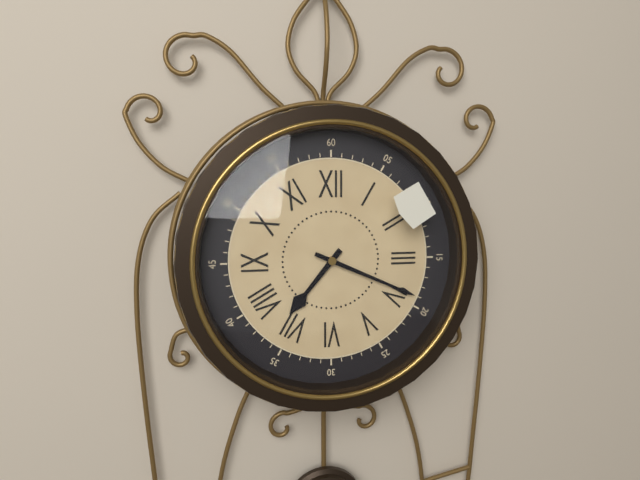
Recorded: 7 h 19 min
